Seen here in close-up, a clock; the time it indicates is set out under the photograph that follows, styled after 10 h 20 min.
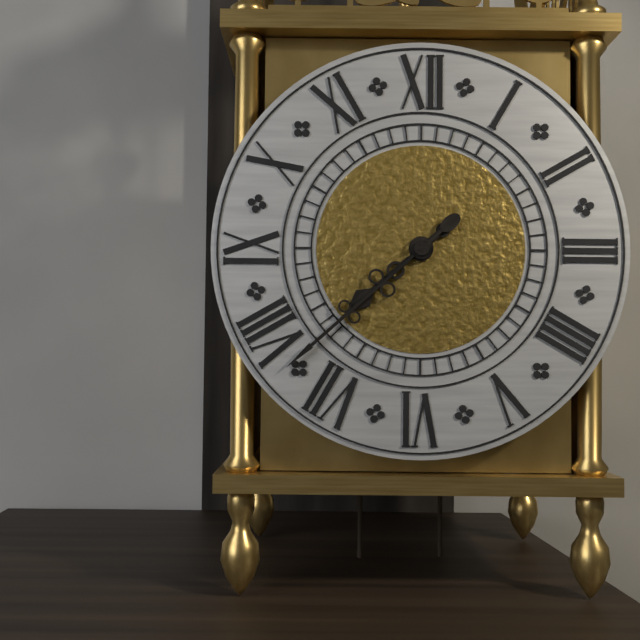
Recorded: 7 h 38 min
